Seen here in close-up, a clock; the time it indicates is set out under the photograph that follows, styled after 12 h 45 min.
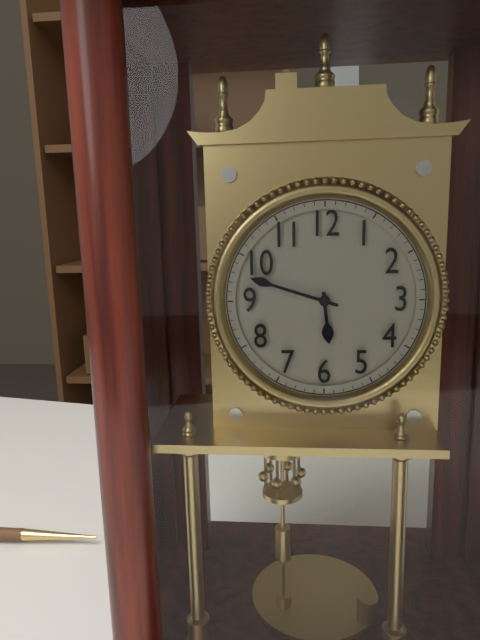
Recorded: 5 h 48 min
